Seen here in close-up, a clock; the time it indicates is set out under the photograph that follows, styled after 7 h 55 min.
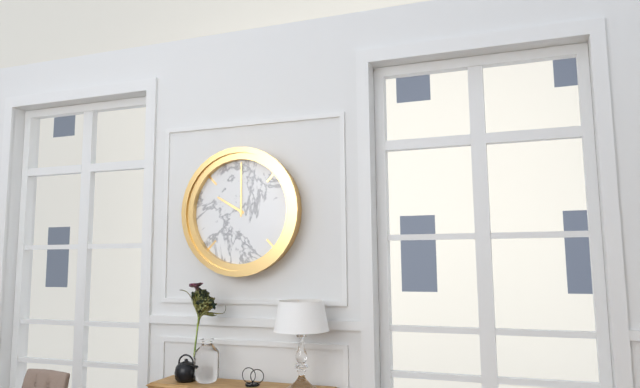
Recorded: 10 h 00 min
